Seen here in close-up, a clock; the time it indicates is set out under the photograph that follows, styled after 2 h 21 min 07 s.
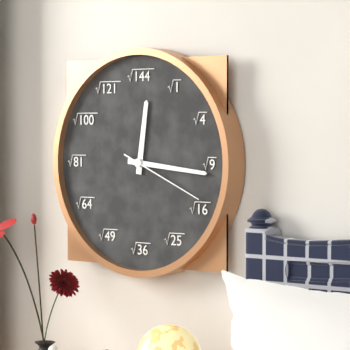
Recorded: 12 h 16 min 19 s
